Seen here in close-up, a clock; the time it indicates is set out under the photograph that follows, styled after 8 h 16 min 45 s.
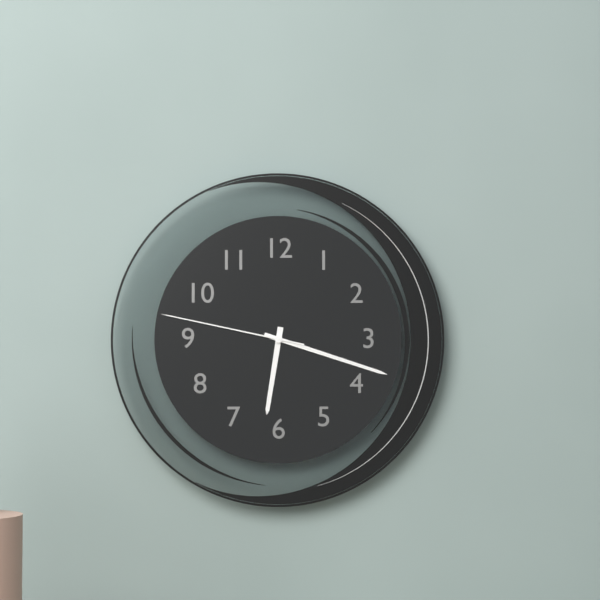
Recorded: 6 h 18 min 47 s
